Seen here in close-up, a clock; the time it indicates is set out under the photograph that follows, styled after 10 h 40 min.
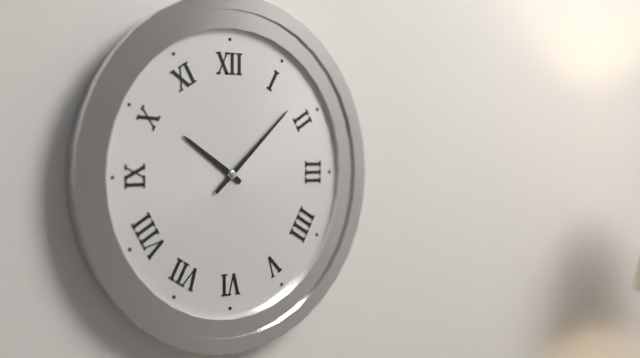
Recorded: 10 h 08 min
